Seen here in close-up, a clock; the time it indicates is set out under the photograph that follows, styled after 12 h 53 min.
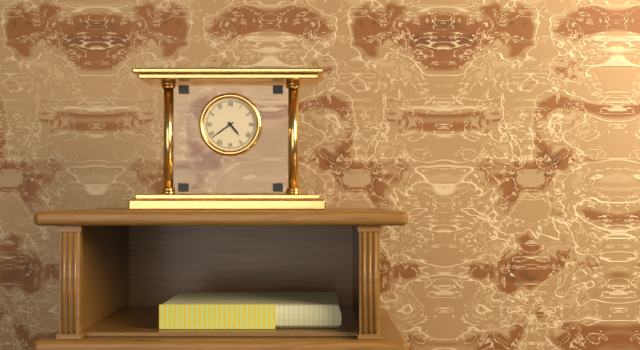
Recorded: 4 h 39 min
